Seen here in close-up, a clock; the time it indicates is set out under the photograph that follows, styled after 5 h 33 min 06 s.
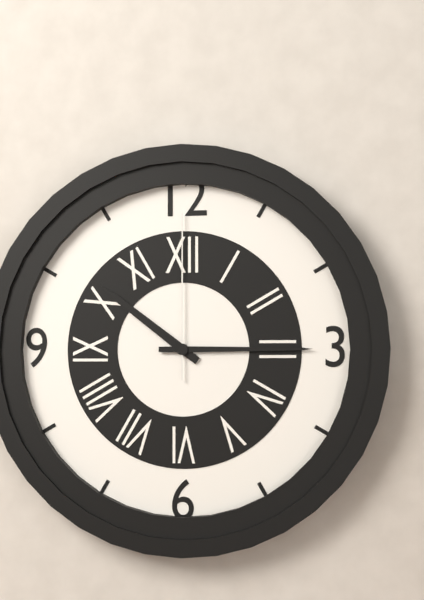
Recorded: 10 h 15 min 00 s
